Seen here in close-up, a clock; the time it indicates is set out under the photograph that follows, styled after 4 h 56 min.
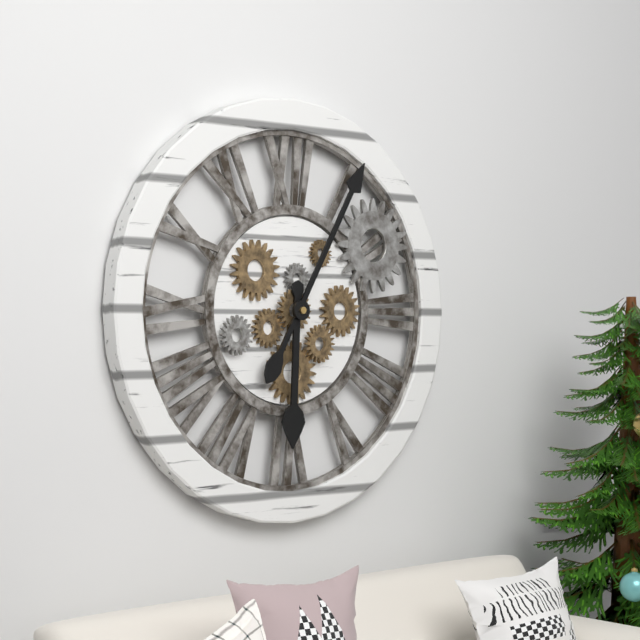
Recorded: 6 h 05 min
